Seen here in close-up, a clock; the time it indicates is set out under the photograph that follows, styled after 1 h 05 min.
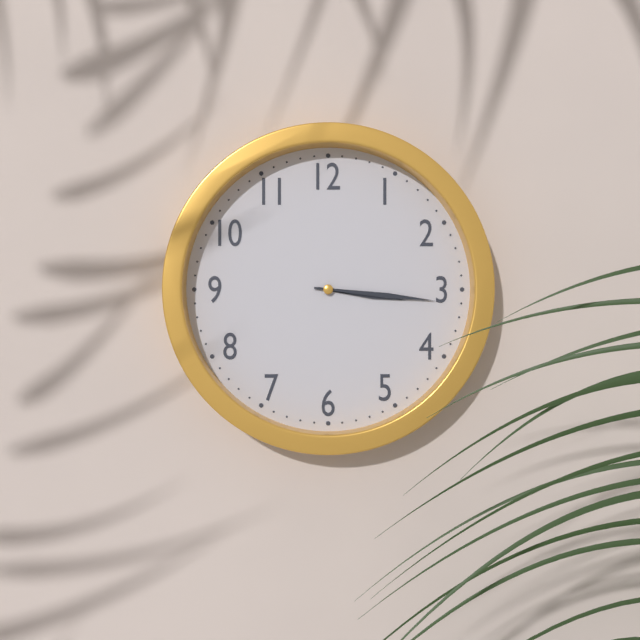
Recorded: 3 h 16 min
